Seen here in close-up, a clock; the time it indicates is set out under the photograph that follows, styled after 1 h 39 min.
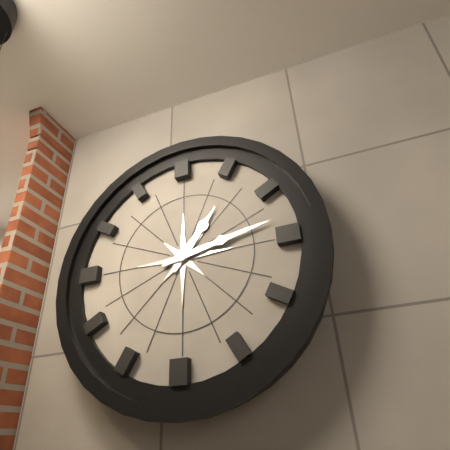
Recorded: 1 h 13 min
